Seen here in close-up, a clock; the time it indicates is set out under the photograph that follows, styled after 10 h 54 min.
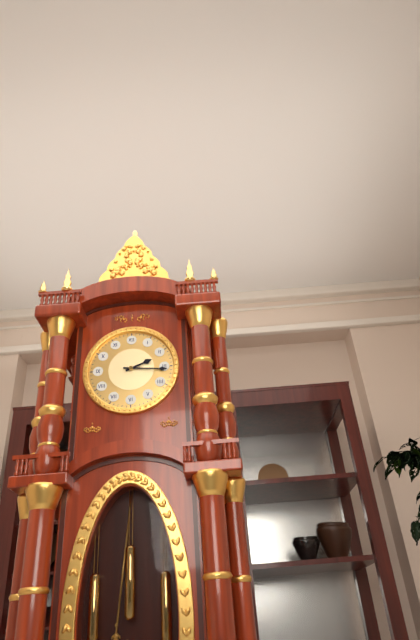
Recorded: 2 h 16 min
